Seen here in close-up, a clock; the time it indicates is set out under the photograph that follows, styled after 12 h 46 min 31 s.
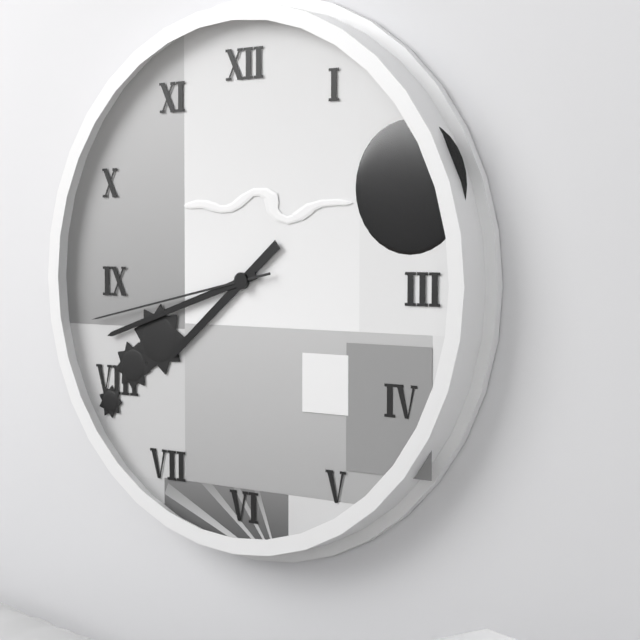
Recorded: 7 h 42 min 43 s
